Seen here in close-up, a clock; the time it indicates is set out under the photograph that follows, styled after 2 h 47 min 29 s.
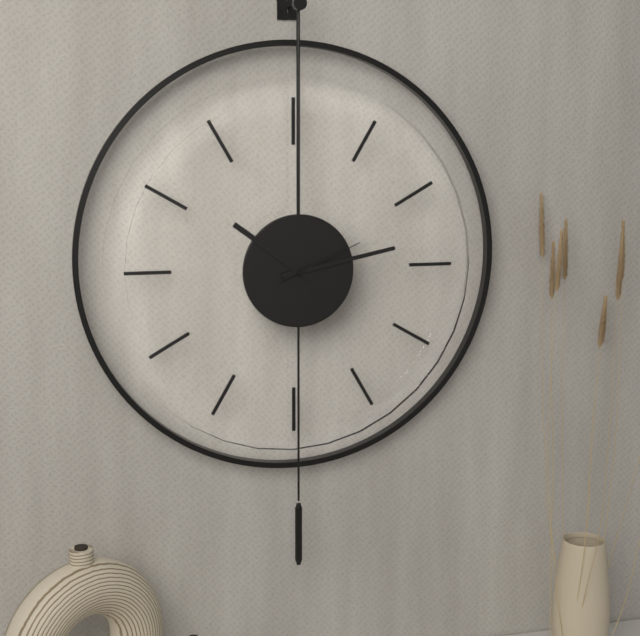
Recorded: 10 h 13 min 11 s
